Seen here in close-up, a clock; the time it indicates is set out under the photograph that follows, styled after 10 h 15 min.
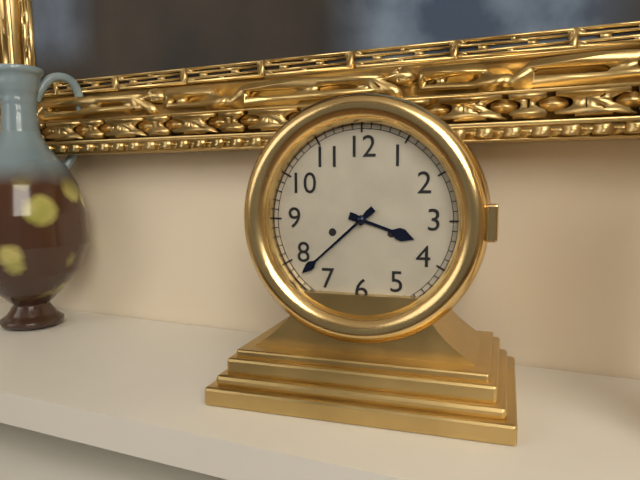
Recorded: 3 h 38 min
